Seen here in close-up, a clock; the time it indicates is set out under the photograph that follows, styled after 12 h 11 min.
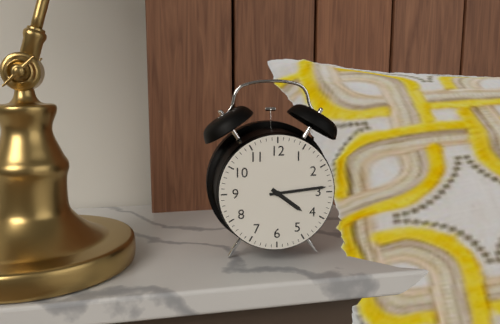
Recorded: 4 h 14 min
